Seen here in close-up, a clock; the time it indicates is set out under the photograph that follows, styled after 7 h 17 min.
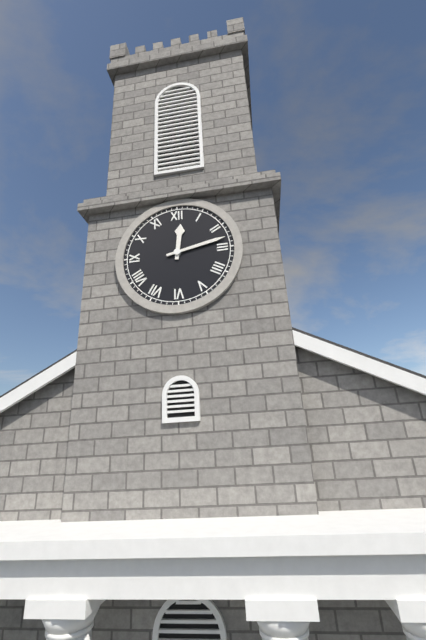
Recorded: 12 h 13 min
